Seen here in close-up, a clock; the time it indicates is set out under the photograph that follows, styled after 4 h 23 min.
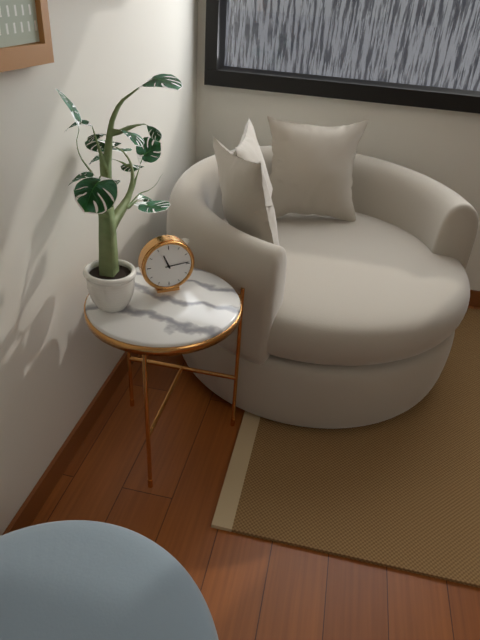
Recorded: 11 h 14 min
